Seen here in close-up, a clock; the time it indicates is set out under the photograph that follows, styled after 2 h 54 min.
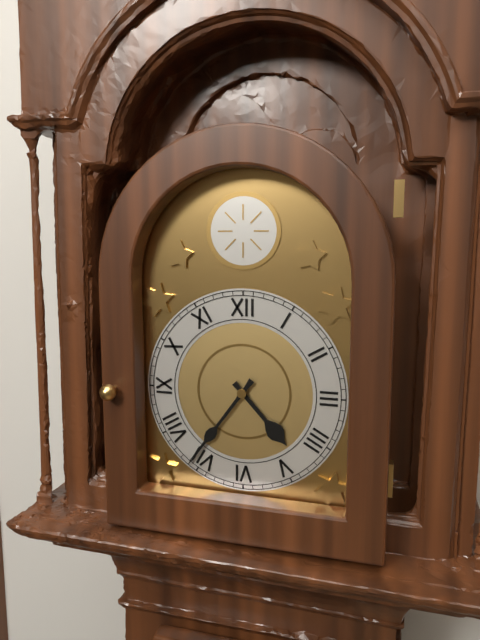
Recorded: 4 h 36 min
